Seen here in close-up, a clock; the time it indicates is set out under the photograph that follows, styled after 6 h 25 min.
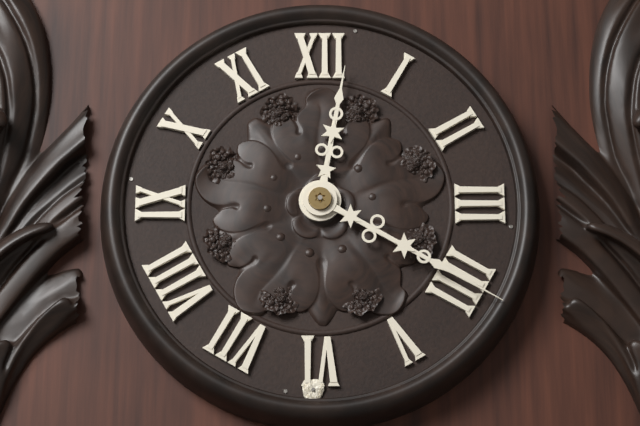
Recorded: 12 h 20 min
